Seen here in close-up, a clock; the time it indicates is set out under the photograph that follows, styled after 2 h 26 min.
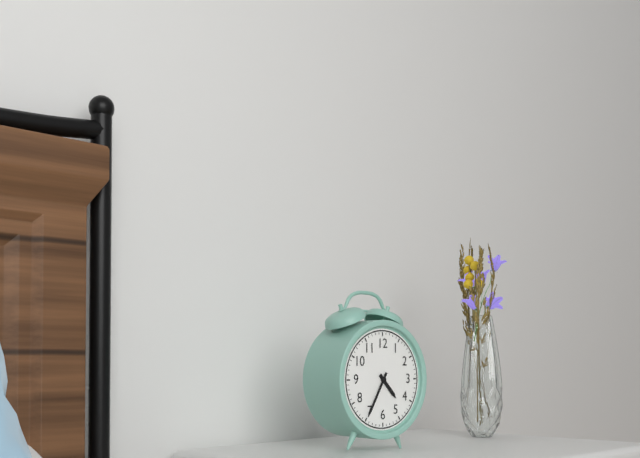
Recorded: 4 h 35 min
